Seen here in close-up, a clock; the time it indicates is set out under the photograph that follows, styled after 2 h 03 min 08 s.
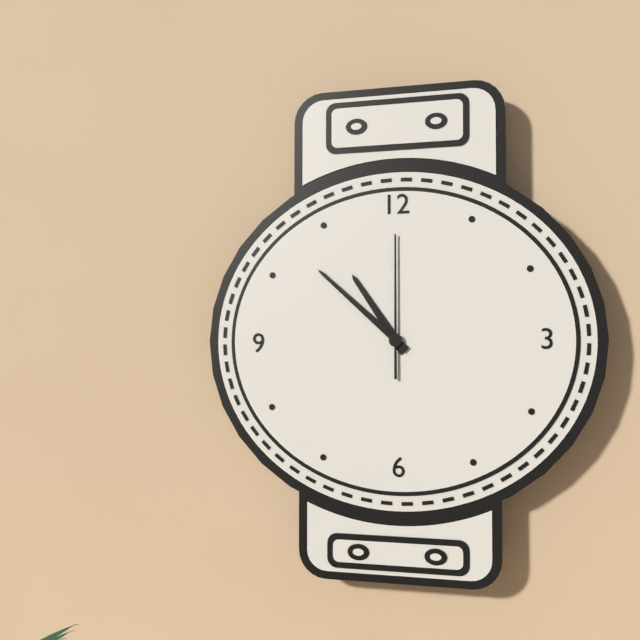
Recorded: 10 h 52 min 00 s
